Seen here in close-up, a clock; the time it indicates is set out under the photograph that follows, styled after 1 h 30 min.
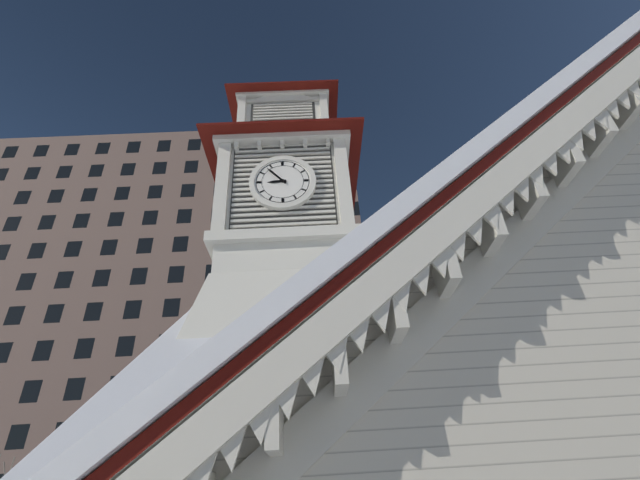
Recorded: 8 h 53 min
